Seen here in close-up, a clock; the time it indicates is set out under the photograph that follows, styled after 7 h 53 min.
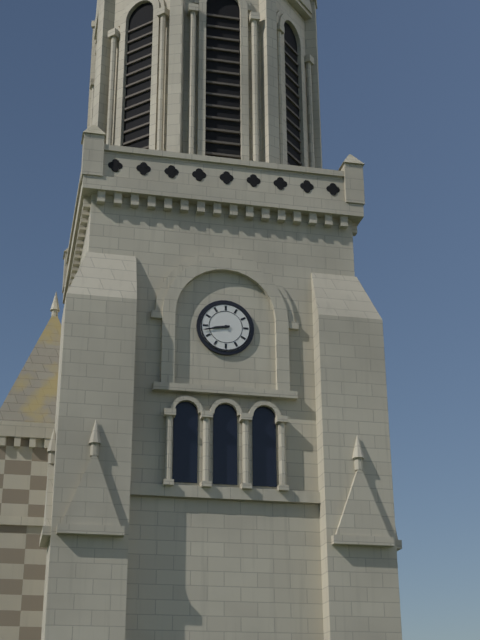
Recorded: 8 h 43 min
